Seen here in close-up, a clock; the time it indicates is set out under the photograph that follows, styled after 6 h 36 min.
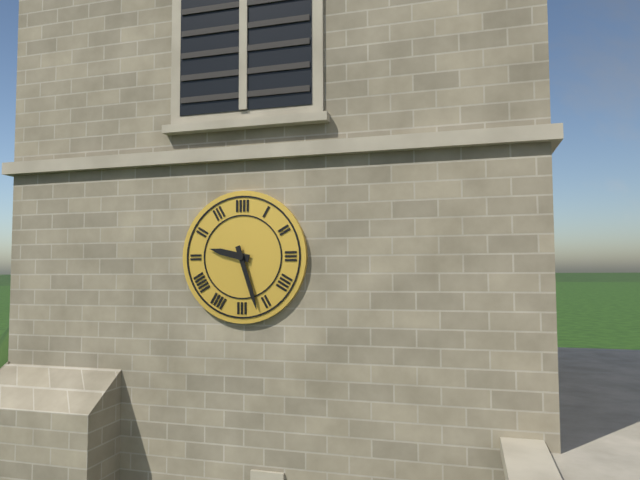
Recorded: 9 h 27 min
